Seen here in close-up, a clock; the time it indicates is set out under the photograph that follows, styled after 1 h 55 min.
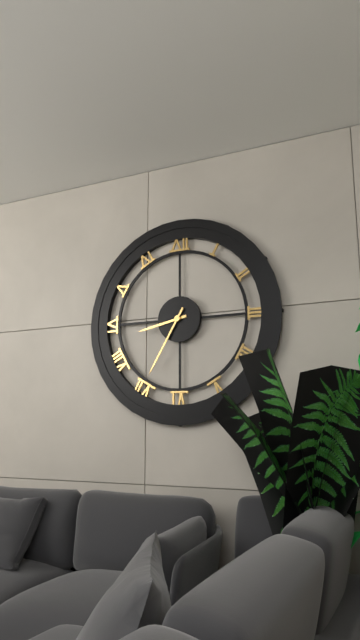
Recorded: 8 h 35 min
